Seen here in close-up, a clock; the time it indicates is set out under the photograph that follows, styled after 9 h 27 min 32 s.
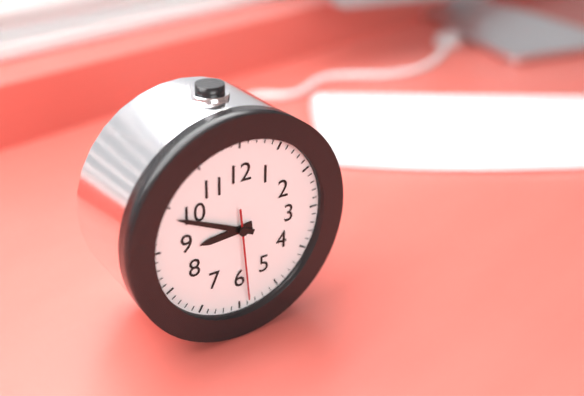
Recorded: 8 h 49 min 29 s
